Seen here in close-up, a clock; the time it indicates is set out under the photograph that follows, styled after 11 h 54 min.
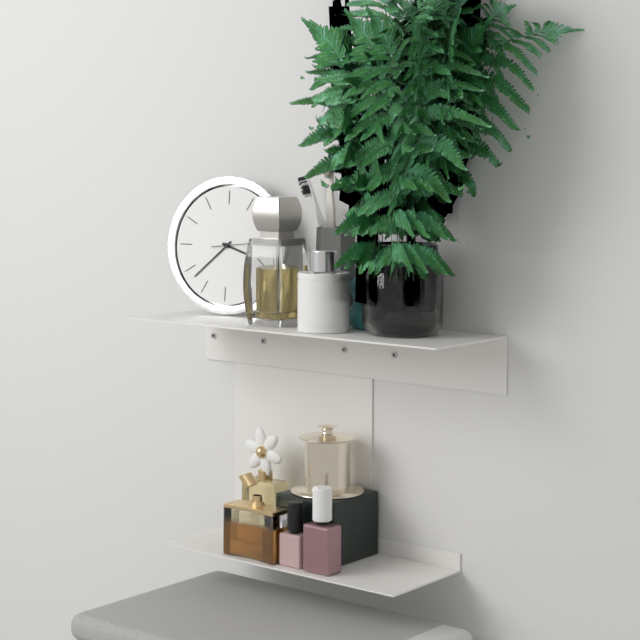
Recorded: 3 h 38 min
